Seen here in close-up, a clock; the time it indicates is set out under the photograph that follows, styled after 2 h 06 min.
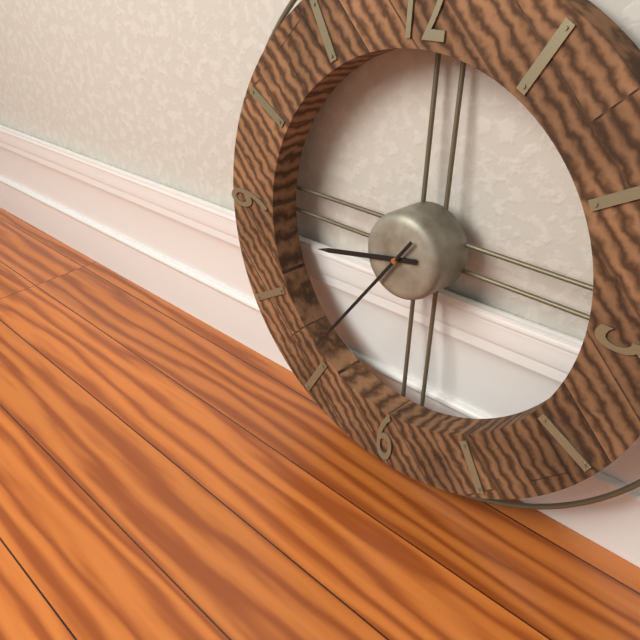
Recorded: 8 h 36 min
